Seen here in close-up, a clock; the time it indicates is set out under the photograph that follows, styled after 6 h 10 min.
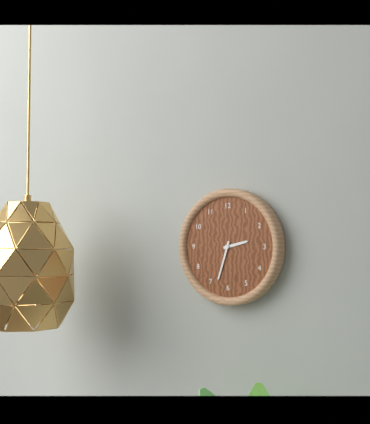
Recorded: 2 h 33 min
